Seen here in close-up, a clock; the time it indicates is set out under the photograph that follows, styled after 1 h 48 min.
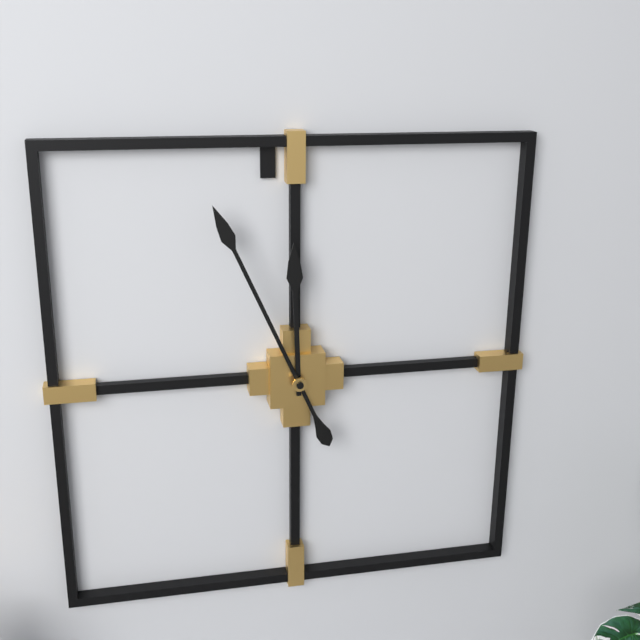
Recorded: 11 h 56 min
